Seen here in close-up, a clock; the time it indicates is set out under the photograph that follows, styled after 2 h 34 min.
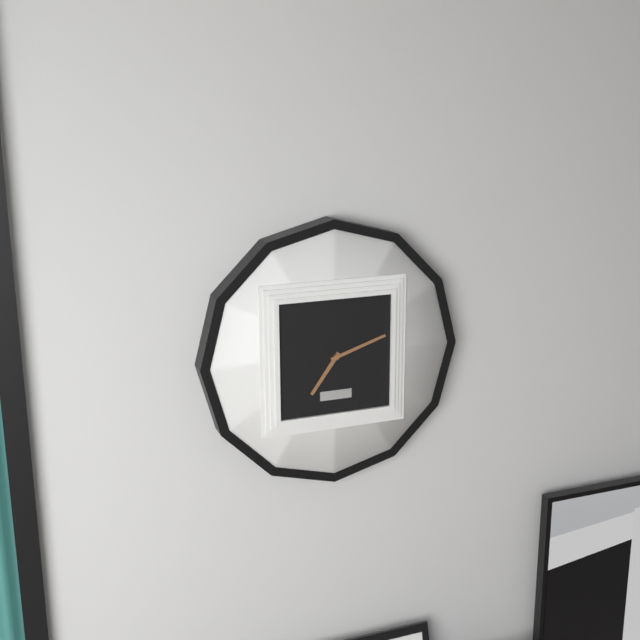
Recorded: 7 h 12 min
